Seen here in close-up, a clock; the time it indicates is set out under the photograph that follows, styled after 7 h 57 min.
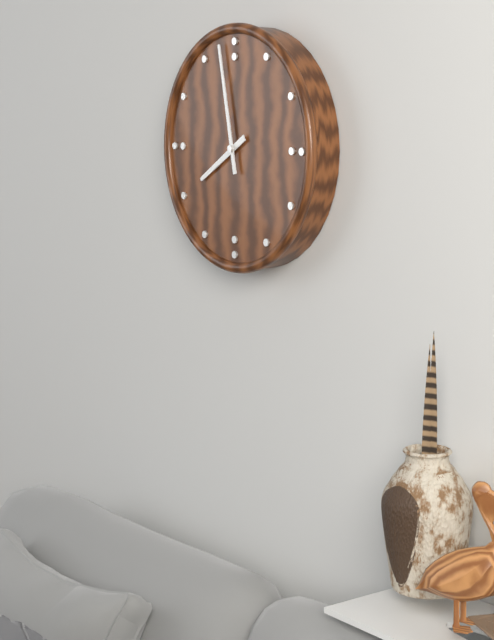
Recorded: 7 h 58 min
